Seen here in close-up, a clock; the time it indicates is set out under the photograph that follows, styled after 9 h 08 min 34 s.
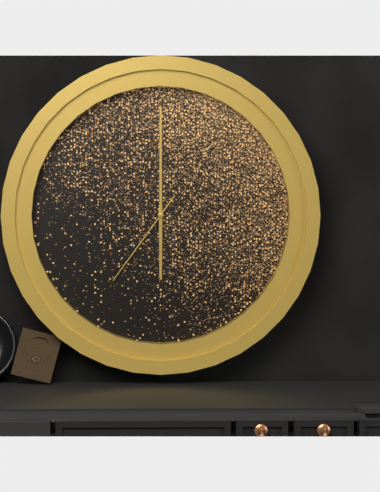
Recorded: 6 h 00 min 36 s
